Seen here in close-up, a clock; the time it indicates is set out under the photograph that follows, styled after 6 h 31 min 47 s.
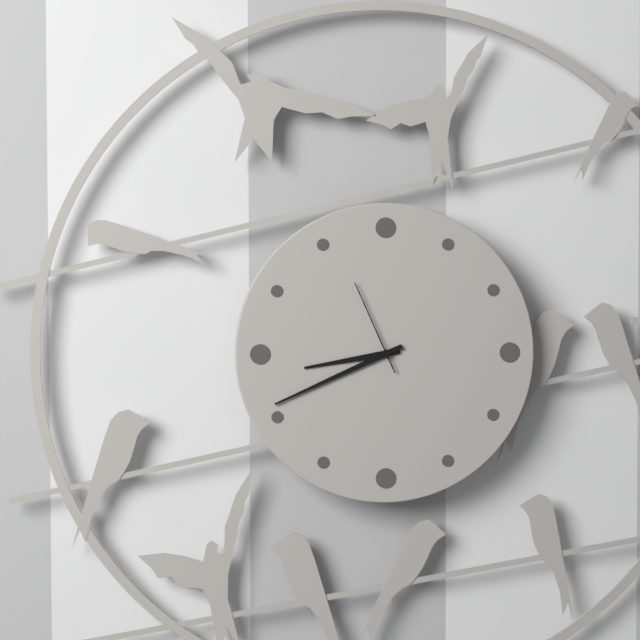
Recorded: 8 h 41 min 56 s
